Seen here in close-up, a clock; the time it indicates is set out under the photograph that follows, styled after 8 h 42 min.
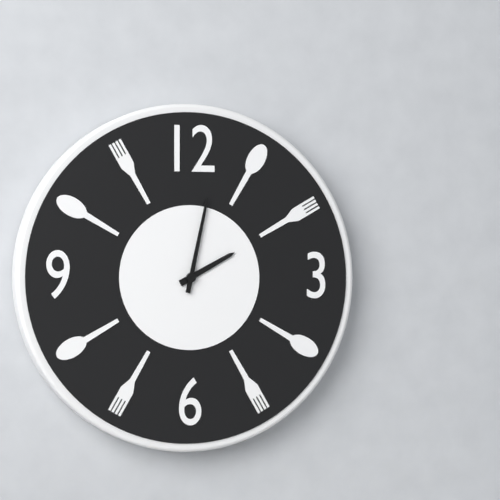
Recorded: 2 h 02 min
